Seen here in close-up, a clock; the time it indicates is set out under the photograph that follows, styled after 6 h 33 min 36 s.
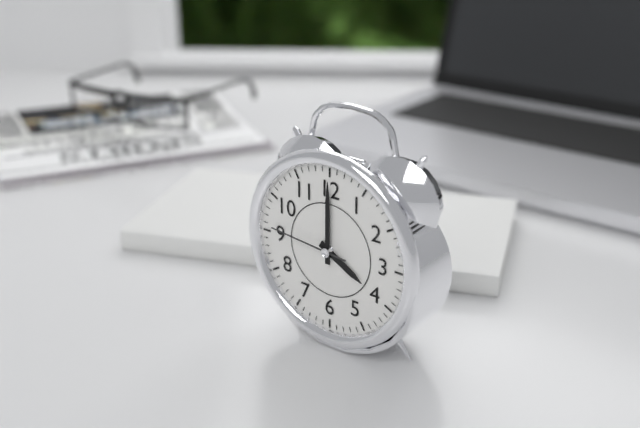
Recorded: 4 h 00 min 46 s
